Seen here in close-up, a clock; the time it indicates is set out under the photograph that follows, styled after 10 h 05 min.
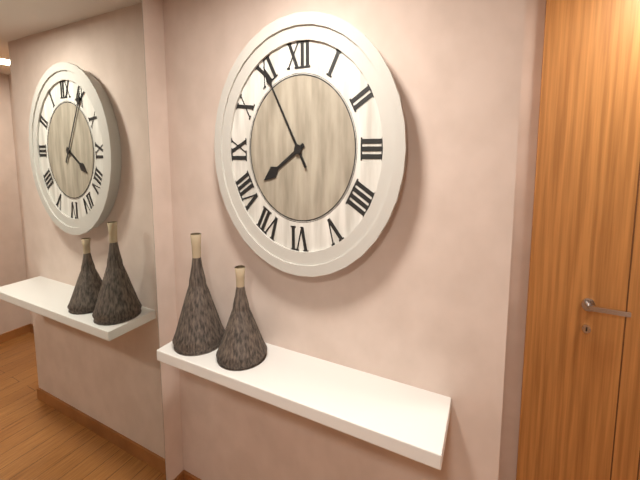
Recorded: 7 h 55 min
